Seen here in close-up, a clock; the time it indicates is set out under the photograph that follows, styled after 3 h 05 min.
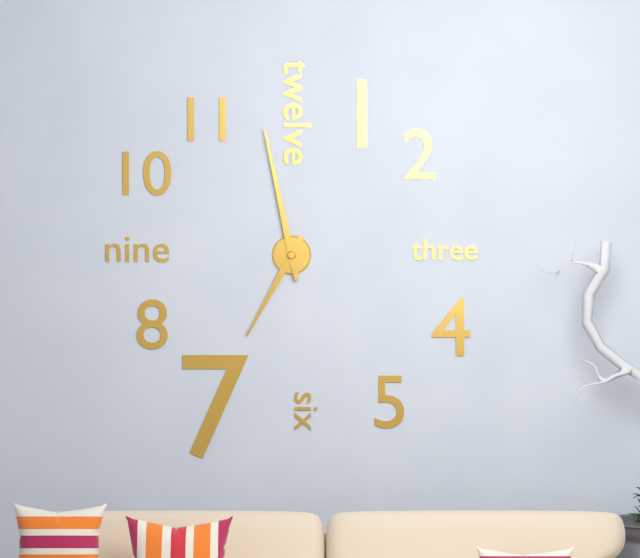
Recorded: 6 h 58 min
